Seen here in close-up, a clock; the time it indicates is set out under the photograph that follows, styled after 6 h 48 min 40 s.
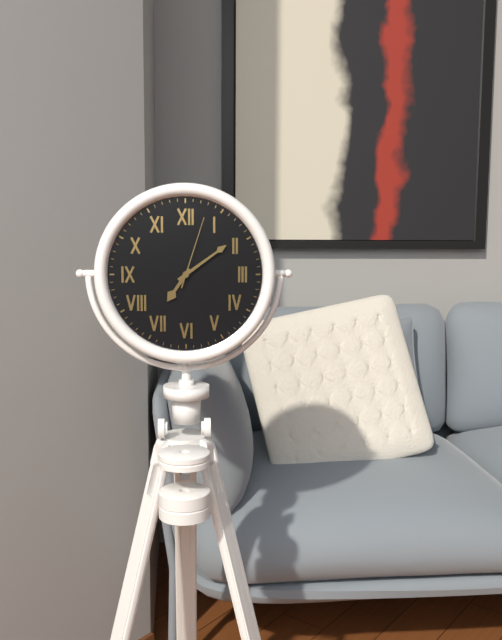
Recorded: 7 h 09 min 03 s
